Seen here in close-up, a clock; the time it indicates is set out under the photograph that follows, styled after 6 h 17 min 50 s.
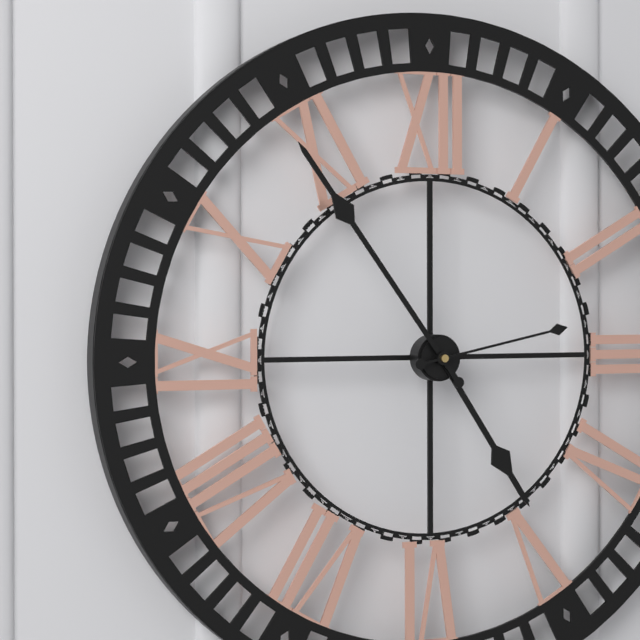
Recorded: 4 h 54 min 13 s
